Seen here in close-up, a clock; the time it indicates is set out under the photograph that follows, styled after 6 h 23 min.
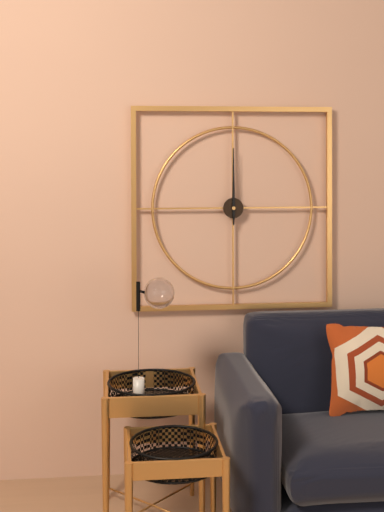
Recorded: 12 h 00 min
